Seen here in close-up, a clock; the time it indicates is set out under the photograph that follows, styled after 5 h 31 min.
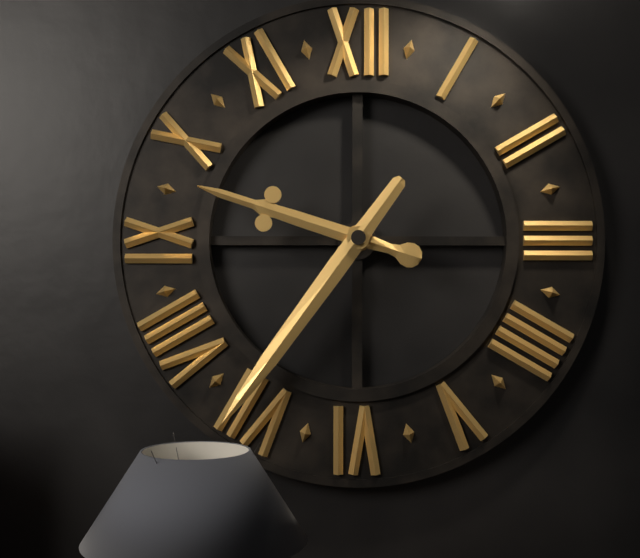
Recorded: 9 h 36 min
